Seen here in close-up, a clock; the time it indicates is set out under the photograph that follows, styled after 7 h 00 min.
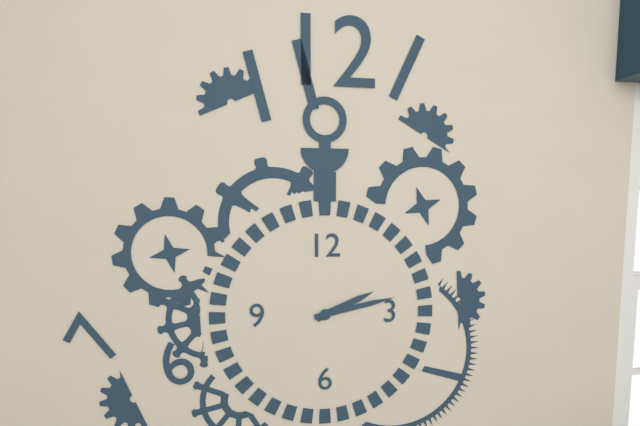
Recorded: 2 h 13 min
